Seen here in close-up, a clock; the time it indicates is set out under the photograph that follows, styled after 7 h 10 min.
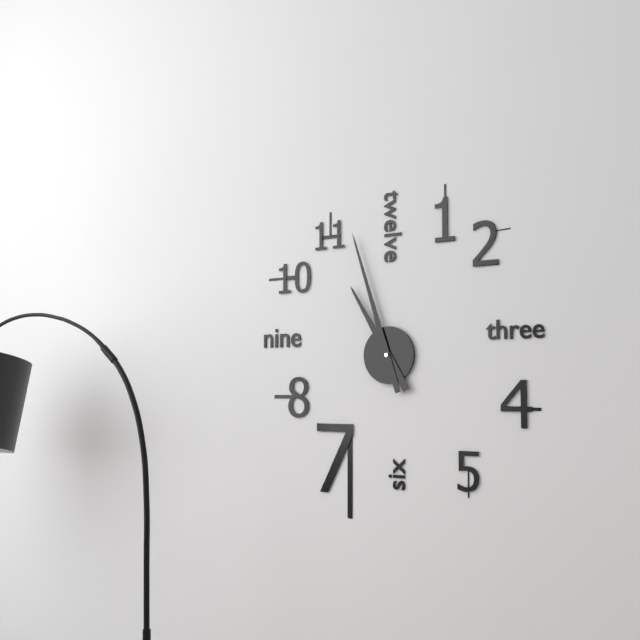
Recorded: 10 h 57 min
